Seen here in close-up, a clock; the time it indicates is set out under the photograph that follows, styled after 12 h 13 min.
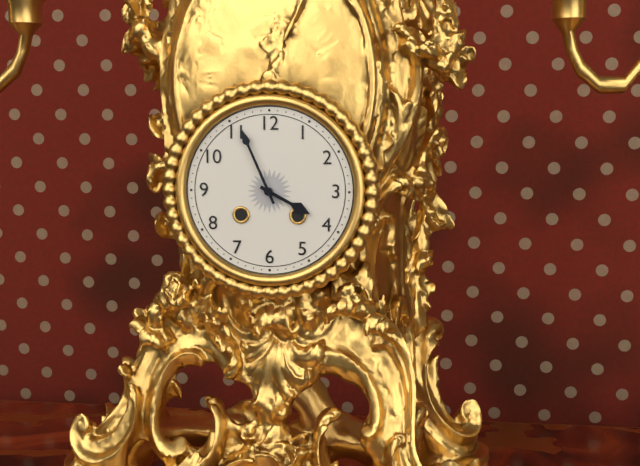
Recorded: 3 h 56 min
